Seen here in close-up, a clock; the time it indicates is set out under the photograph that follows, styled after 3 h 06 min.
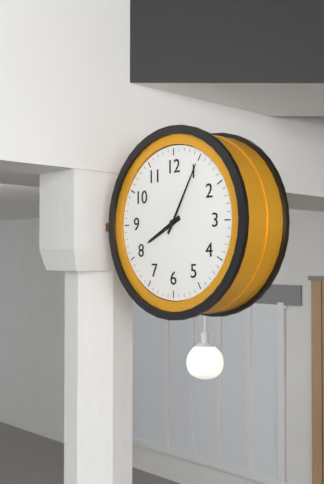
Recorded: 8 h 05 min
